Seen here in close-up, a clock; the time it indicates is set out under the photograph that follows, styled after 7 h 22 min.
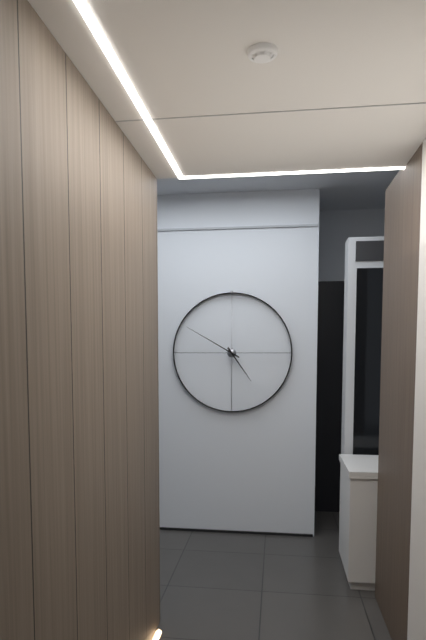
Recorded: 4 h 50 min
